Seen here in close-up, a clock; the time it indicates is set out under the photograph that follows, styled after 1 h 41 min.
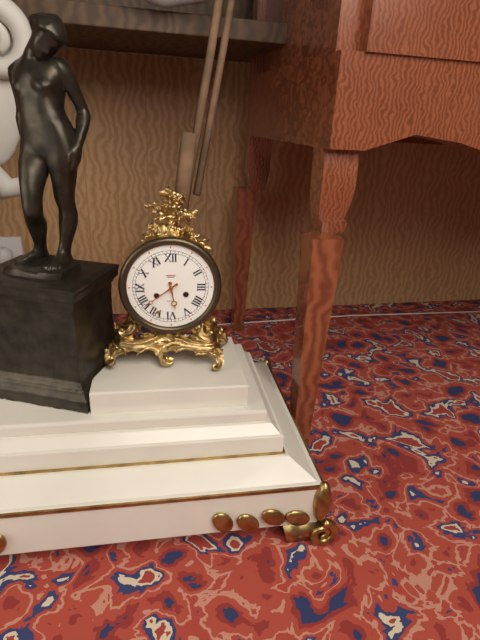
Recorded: 5 h 39 min
